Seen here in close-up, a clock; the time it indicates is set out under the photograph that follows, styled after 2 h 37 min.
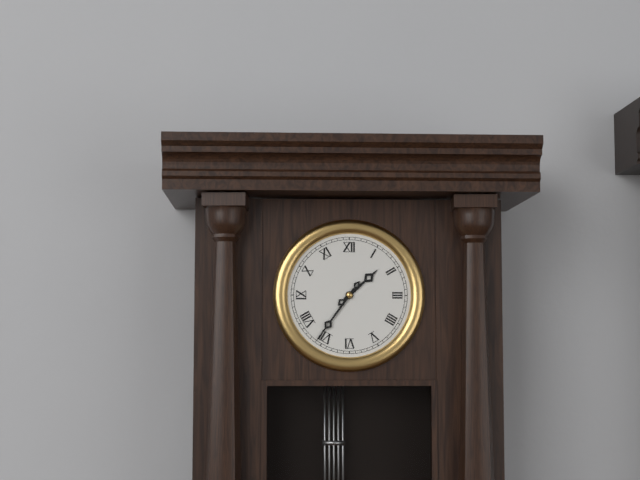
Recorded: 1 h 36 min
